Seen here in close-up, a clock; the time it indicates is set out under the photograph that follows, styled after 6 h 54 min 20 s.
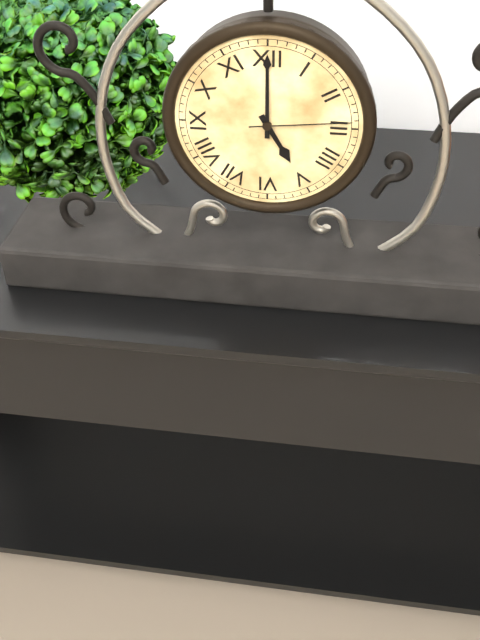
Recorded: 5 h 00 min 14 s
